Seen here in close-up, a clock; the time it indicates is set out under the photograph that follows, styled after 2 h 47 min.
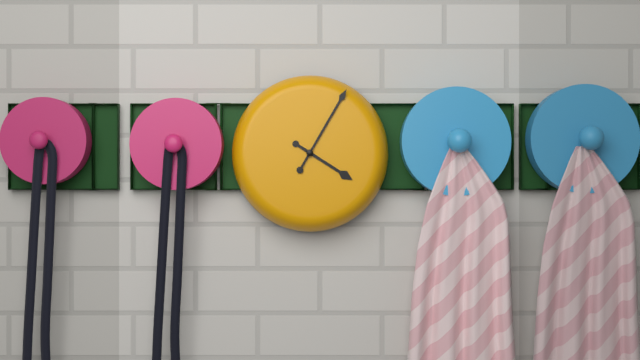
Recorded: 4 h 05 min
